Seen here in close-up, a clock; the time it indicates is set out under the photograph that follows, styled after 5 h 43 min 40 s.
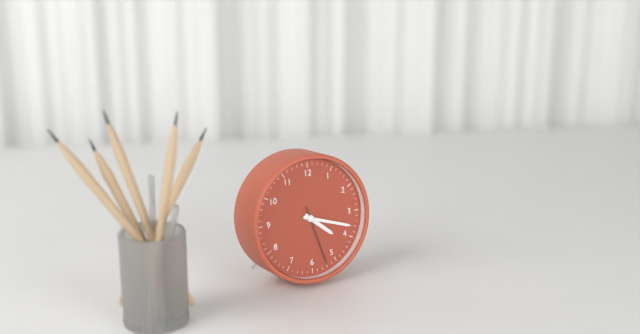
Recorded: 4 h 18 min 27 s
